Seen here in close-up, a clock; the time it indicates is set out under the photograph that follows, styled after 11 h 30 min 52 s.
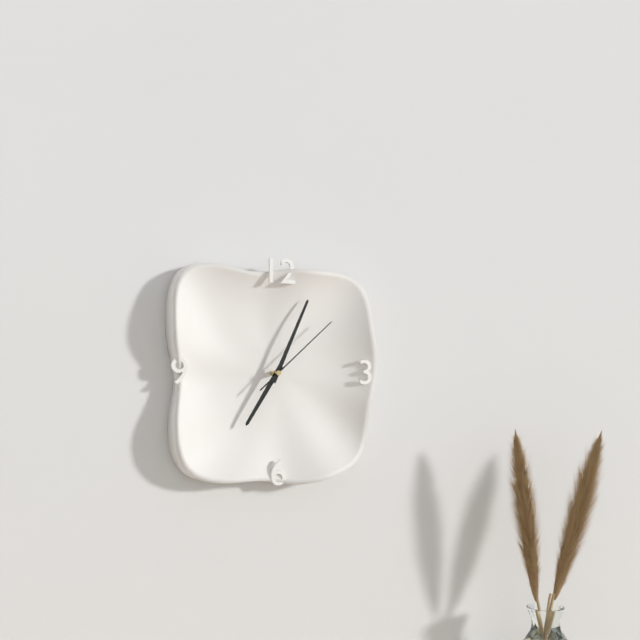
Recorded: 7 h 04 min 08 s
